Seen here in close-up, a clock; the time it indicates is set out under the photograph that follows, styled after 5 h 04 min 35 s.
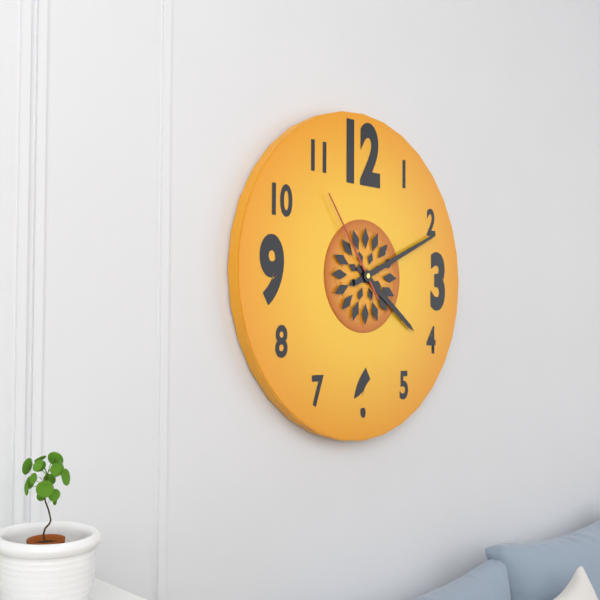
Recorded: 4 h 11 min 54 s
